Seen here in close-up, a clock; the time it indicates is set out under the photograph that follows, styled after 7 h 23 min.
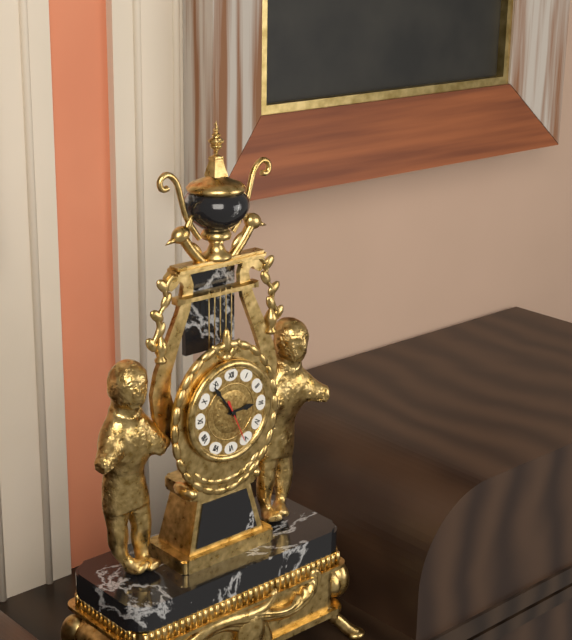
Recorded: 2 h 54 min
